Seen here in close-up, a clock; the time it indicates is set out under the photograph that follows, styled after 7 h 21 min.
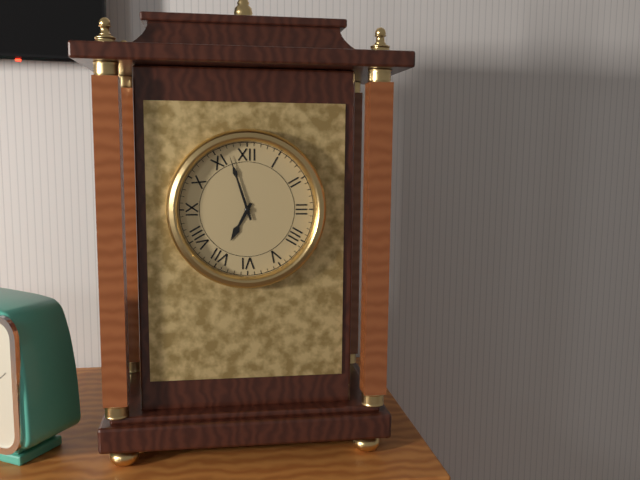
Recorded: 6 h 57 min
